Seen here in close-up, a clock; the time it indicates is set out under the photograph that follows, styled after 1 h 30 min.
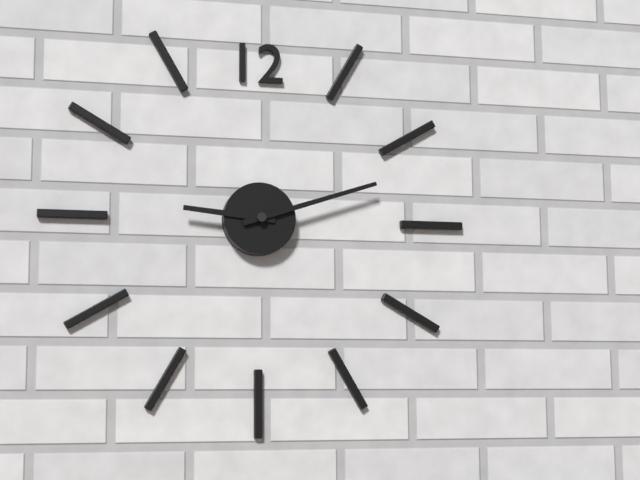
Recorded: 9 h 12 min
